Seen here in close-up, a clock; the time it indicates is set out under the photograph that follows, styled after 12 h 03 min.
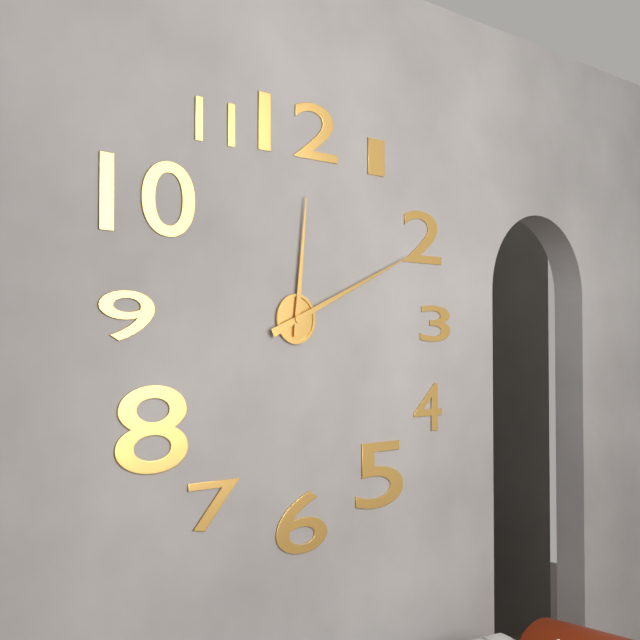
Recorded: 12 h 11 min
